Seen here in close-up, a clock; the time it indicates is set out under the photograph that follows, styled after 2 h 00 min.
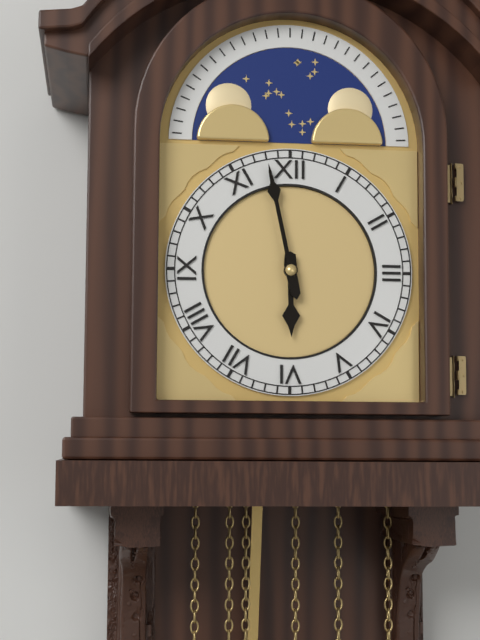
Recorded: 5 h 58 min
